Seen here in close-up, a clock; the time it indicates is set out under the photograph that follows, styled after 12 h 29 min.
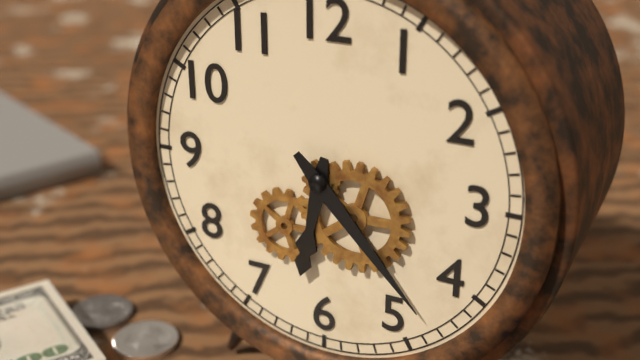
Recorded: 6 h 23 min
